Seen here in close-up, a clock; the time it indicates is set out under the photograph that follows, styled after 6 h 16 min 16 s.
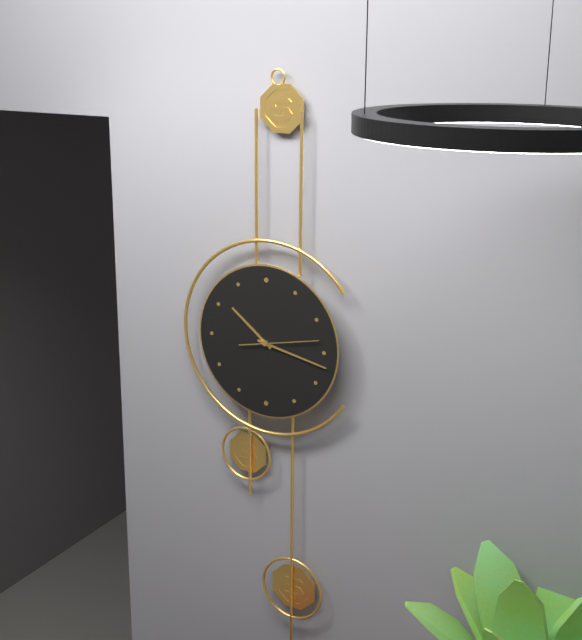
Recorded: 10 h 17 min 13 s
